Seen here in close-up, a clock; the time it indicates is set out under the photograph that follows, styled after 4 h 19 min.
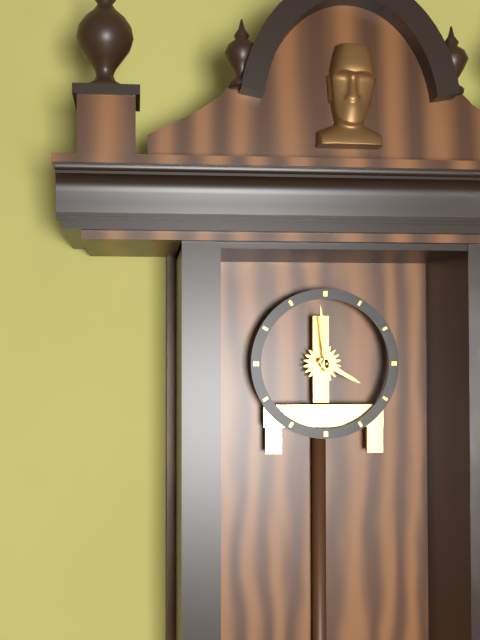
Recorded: 3 h 59 min
